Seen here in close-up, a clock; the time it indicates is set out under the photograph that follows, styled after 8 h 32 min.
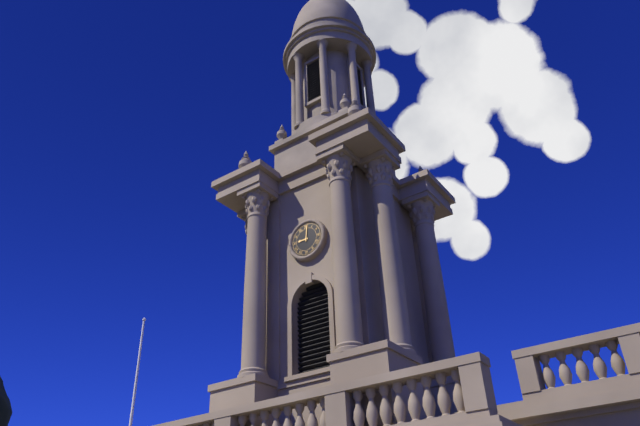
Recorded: 9 h 01 min
